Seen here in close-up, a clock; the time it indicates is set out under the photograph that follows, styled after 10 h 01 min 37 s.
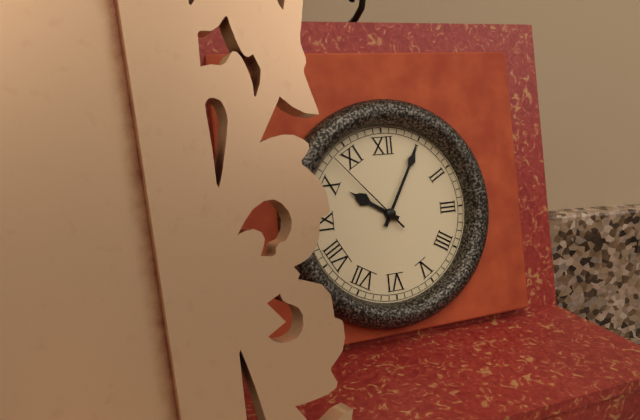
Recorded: 10 h 05 min 53 s
